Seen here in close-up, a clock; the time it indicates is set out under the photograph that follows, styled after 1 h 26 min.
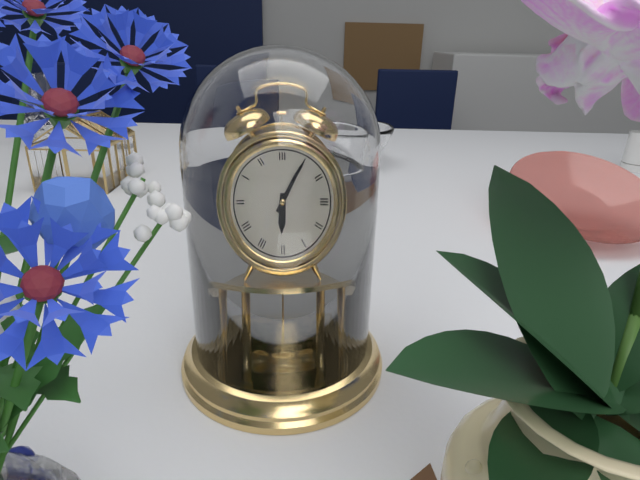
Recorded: 6 h 05 min
